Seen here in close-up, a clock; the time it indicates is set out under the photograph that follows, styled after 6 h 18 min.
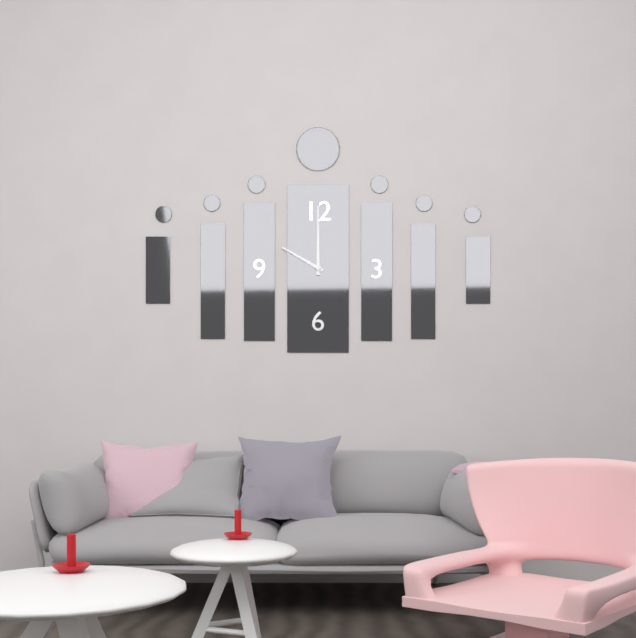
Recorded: 10 h 00 min
